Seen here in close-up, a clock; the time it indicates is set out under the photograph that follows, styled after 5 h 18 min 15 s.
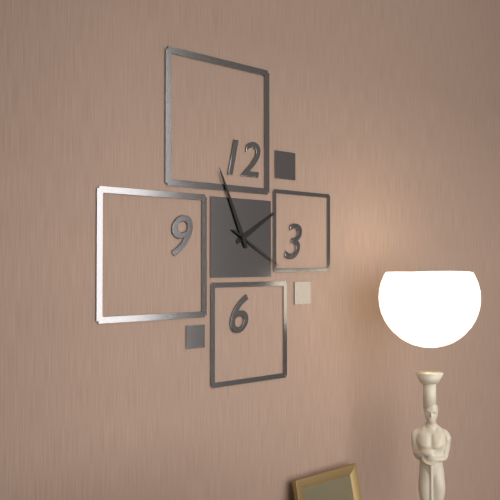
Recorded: 1 h 56 min 20 s
